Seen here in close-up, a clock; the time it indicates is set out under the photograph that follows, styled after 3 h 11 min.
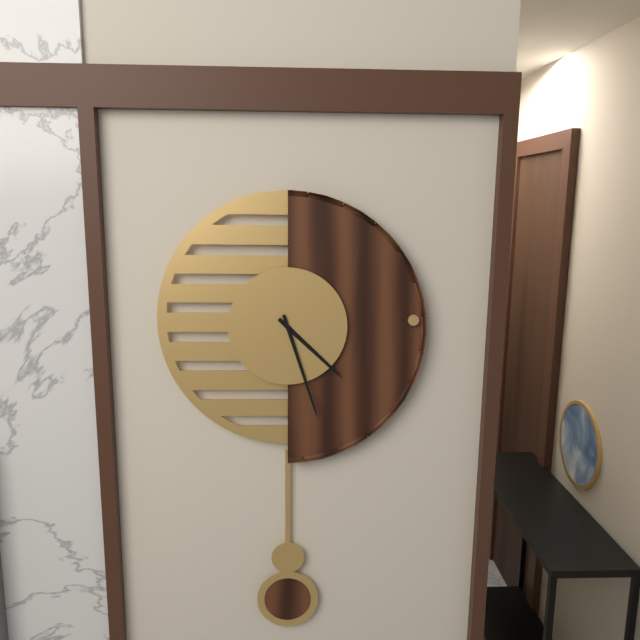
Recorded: 4 h 27 min
